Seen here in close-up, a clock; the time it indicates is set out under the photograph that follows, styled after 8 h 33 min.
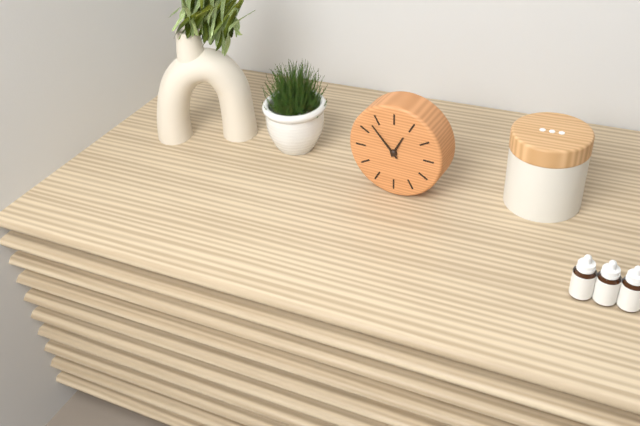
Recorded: 12 h 53 min
